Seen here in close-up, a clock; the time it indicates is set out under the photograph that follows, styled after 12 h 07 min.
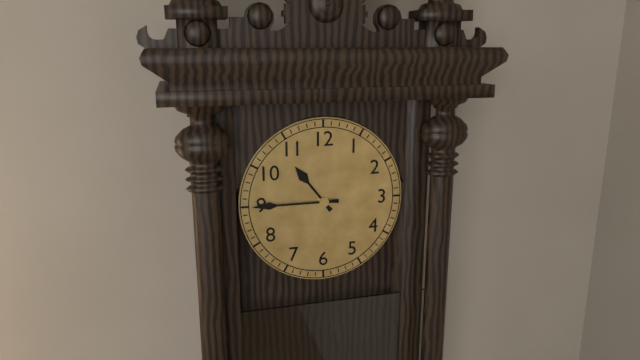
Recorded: 10 h 45 min
